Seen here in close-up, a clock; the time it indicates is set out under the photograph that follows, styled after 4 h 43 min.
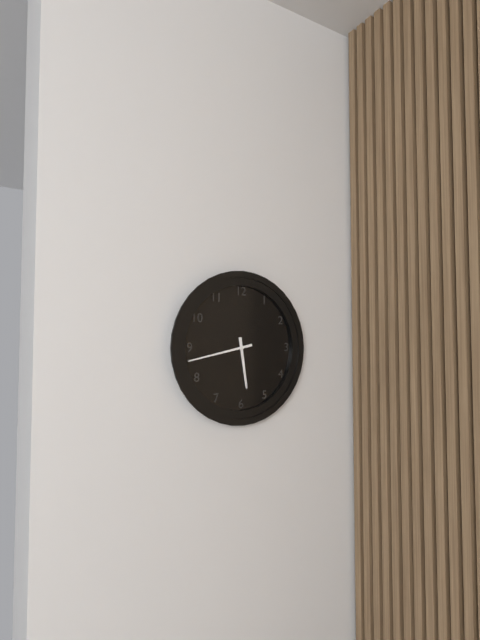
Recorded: 5 h 43 min
